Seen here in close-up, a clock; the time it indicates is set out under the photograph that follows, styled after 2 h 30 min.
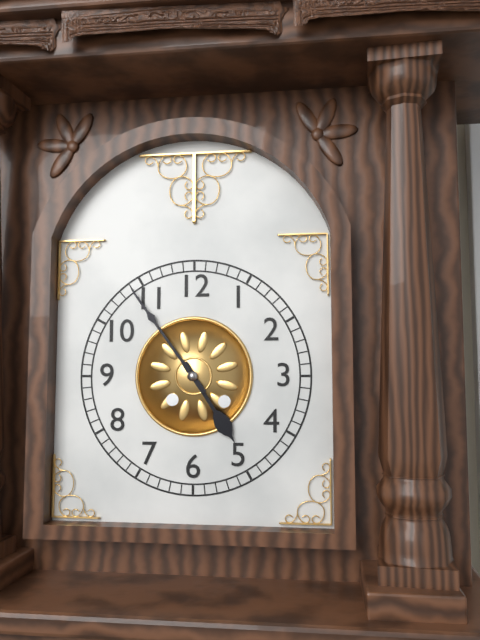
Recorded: 4 h 54 min
